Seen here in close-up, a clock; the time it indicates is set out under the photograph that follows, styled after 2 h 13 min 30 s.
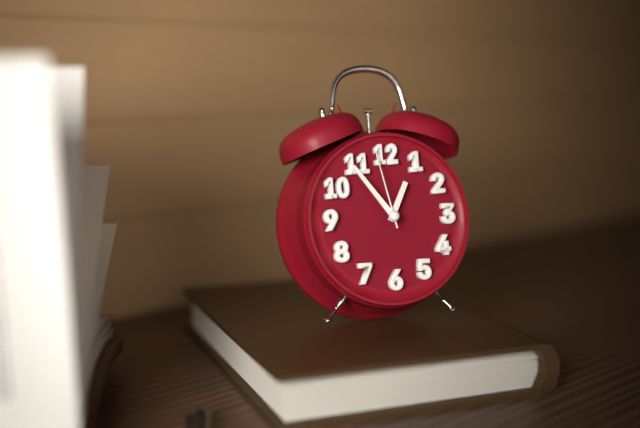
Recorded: 12 h 54 min 58 s
